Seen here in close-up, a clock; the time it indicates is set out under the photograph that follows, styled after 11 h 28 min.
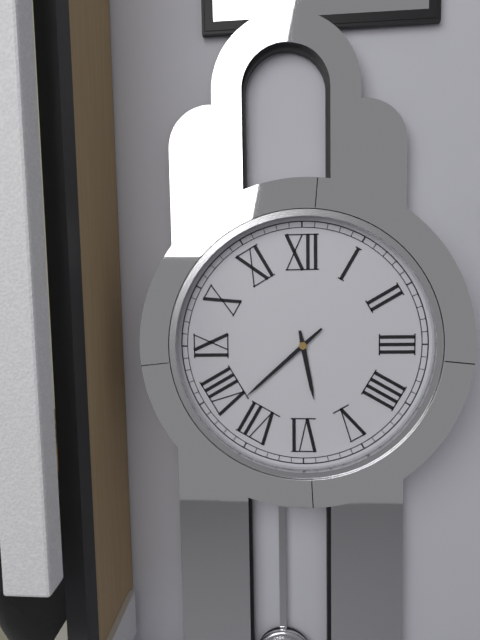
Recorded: 5 h 38 min
